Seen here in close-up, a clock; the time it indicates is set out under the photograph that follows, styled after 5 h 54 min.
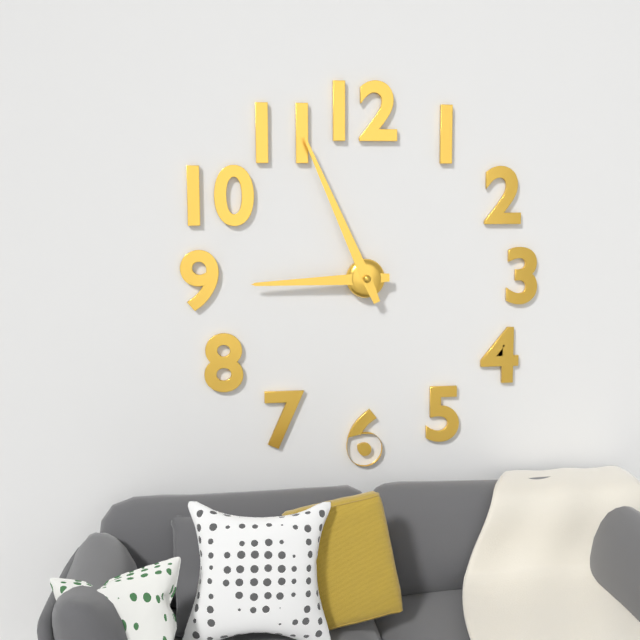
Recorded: 8 h 56 min
